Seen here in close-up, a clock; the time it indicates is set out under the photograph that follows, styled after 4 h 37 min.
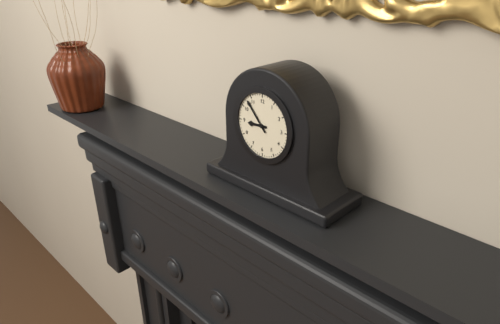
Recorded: 8 h 53 min
